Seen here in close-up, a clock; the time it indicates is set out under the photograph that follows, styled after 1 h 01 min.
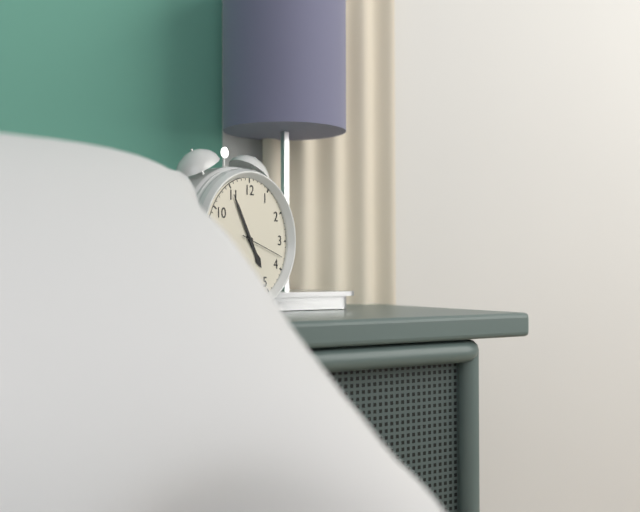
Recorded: 4 h 55 min
